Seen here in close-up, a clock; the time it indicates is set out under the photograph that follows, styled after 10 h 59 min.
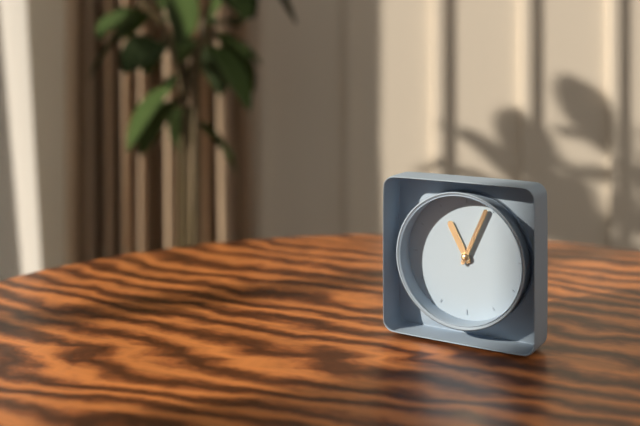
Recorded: 11 h 04 min
